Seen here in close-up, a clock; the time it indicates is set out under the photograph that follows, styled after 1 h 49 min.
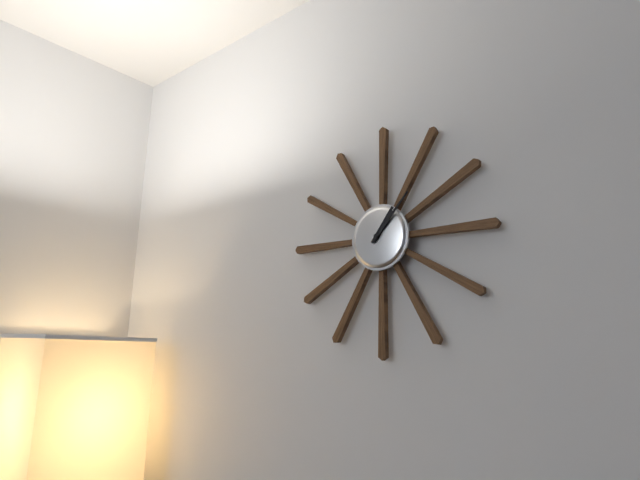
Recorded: 1 h 07 min
